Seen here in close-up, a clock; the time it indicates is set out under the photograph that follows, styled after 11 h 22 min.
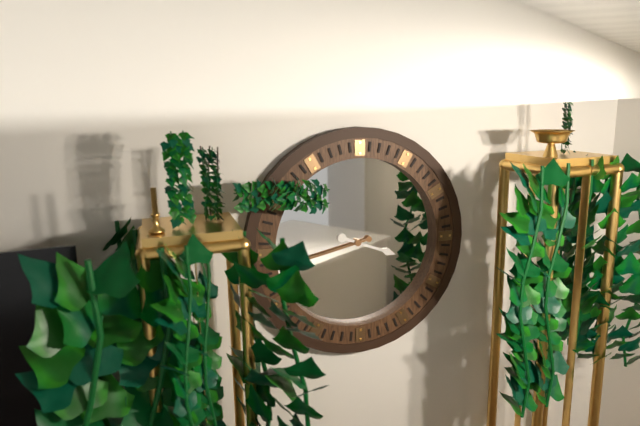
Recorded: 3 h 43 min
